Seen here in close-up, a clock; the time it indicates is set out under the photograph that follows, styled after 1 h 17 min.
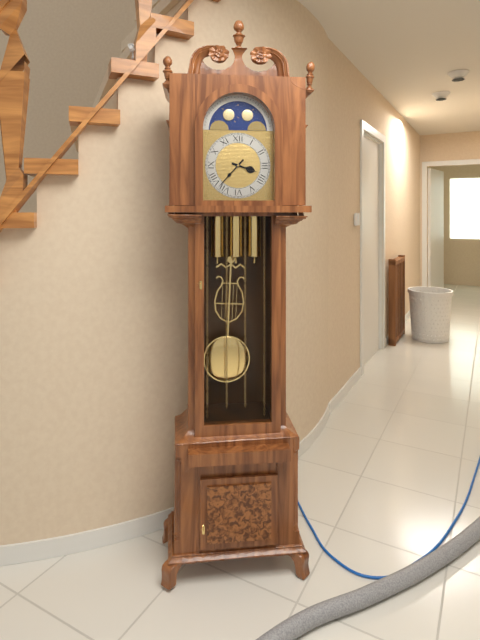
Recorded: 3 h 37 min
